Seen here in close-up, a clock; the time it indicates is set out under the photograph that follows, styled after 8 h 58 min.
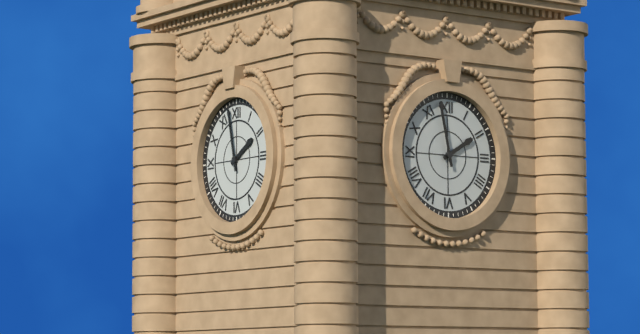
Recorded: 1 h 58 min
